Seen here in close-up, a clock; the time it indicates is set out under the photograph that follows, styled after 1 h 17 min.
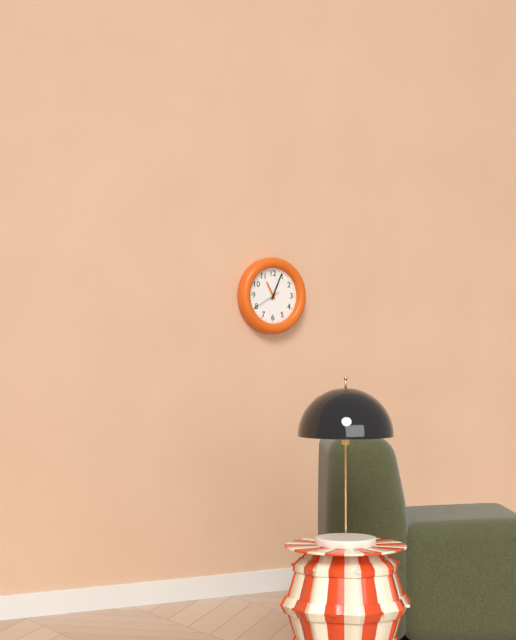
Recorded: 11 h 04 min
